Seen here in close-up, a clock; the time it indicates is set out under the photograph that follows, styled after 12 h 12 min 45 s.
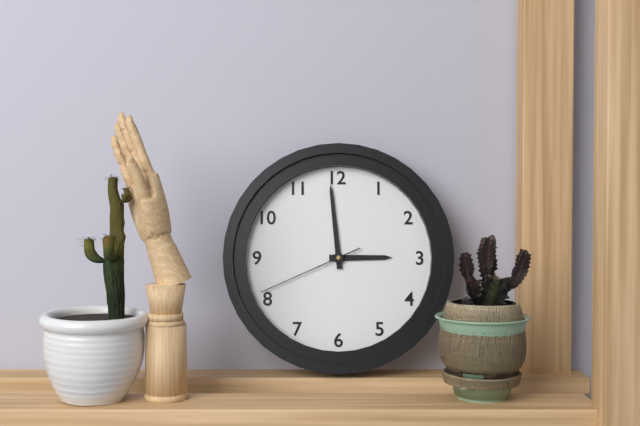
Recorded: 2 h 59 min 41 s
